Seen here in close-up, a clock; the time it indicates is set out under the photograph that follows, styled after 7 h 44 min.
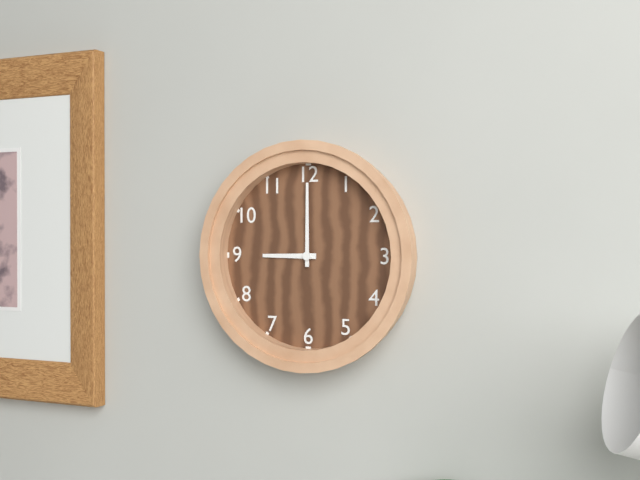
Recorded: 9 h 00 min
